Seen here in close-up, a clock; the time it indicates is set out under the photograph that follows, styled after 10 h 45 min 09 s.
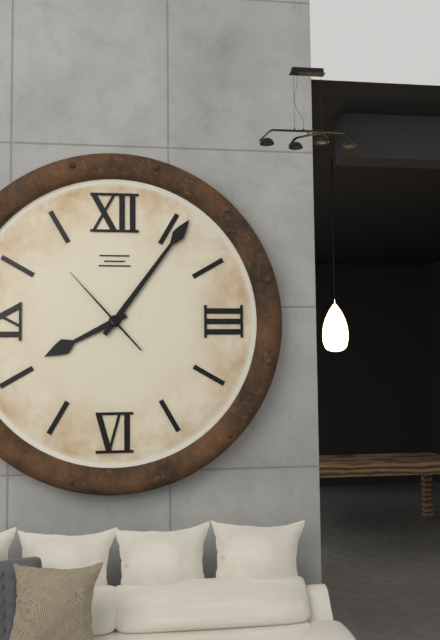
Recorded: 8 h 06 min 53 s
